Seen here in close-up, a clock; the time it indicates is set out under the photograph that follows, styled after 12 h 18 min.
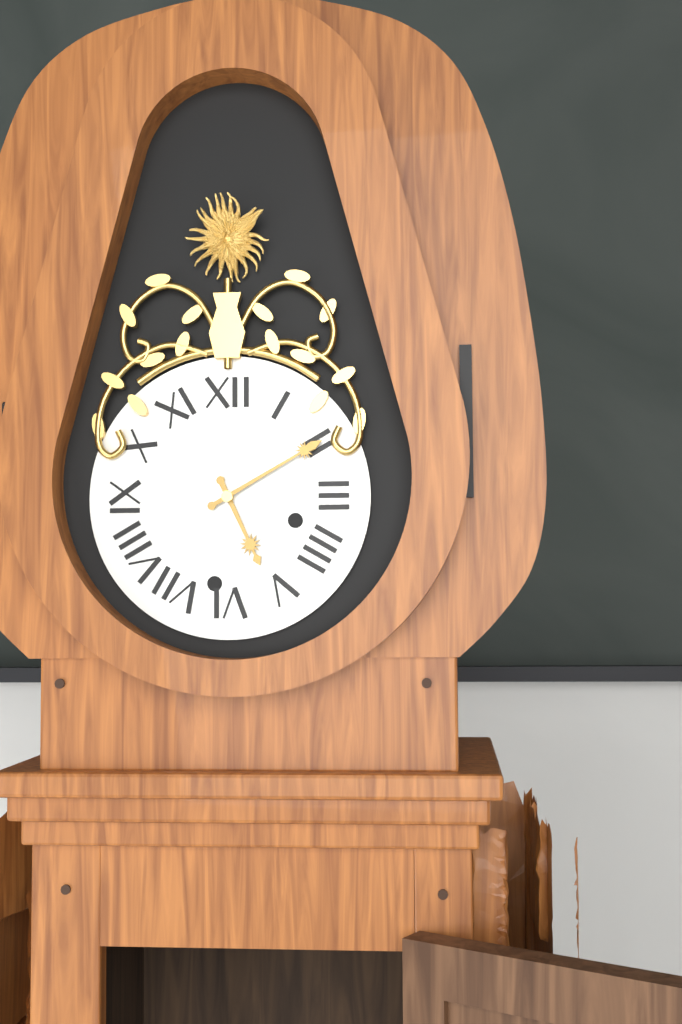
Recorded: 5 h 10 min
